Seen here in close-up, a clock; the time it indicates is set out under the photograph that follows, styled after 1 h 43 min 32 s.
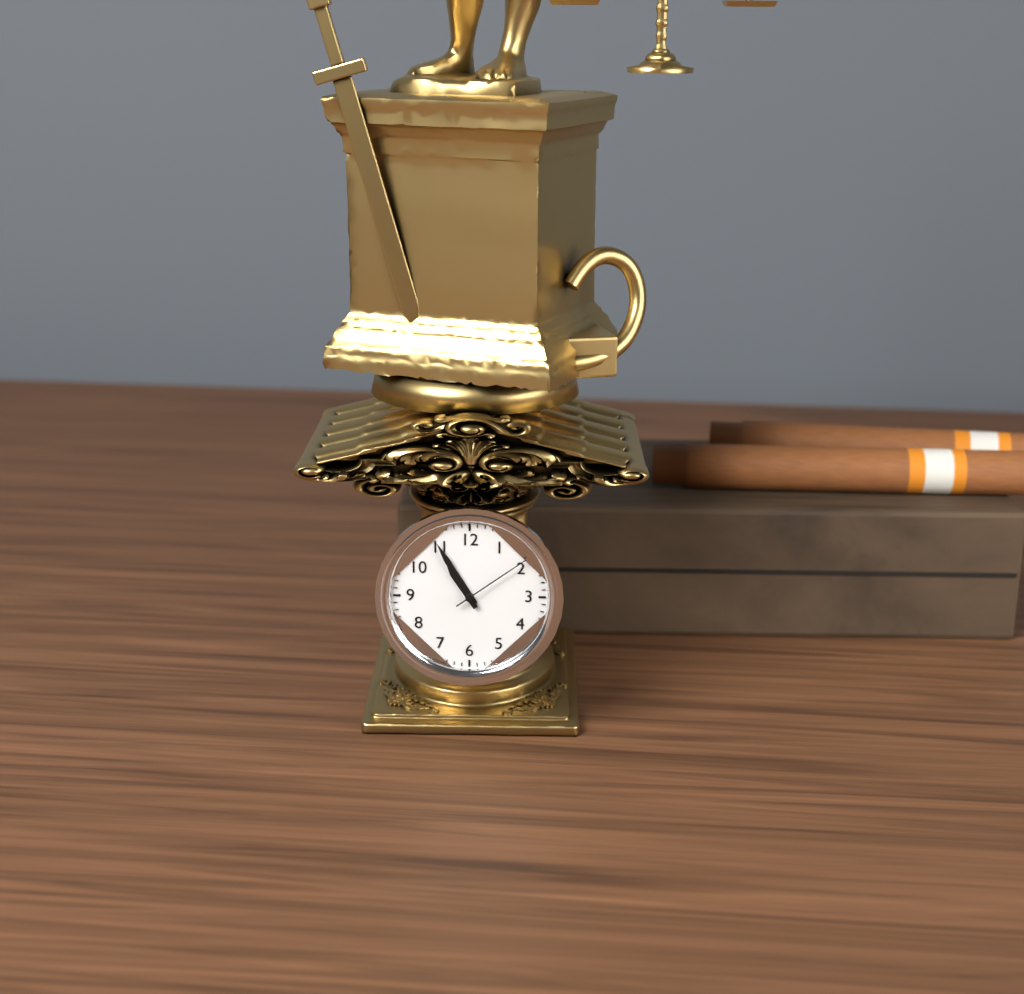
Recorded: 10 h 55 min 09 s
